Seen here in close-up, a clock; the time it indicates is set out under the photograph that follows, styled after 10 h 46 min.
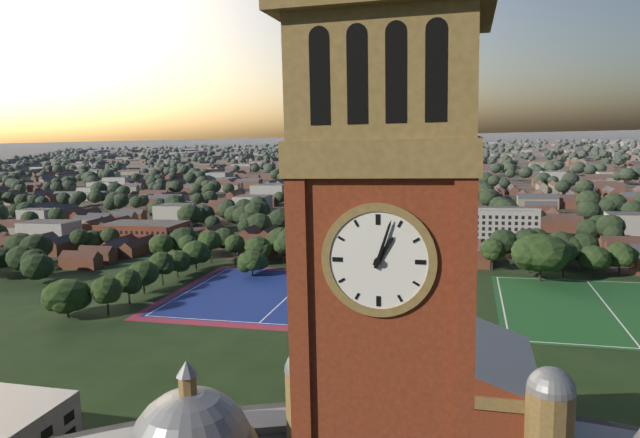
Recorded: 1 h 03 min
